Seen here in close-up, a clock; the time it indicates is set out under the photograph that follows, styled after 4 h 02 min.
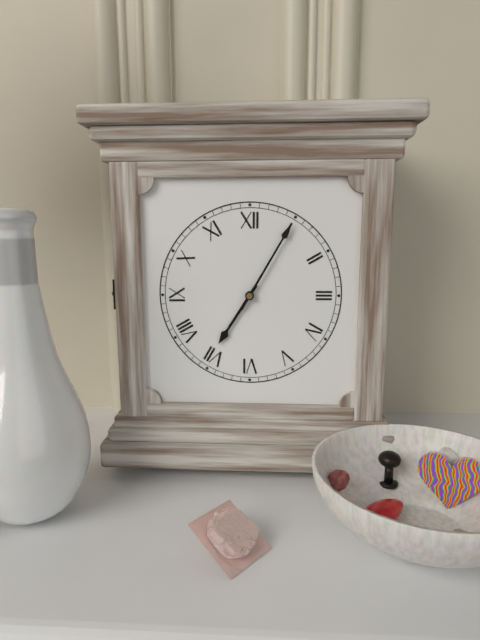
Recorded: 7 h 05 min
